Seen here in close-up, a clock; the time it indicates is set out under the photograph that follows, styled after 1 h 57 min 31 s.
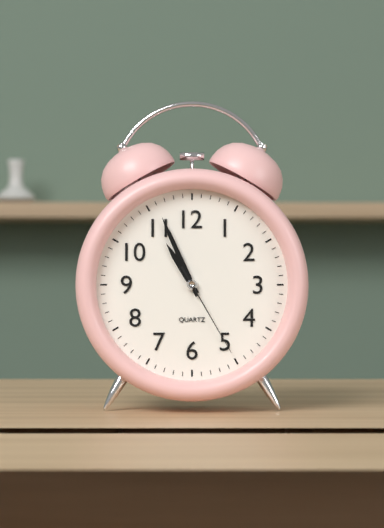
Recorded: 10 h 56 min 25 s
